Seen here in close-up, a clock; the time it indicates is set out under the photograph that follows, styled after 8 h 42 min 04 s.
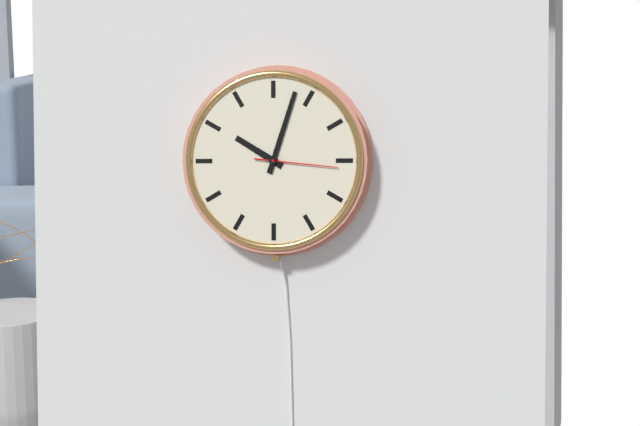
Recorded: 10 h 03 min 16 s
